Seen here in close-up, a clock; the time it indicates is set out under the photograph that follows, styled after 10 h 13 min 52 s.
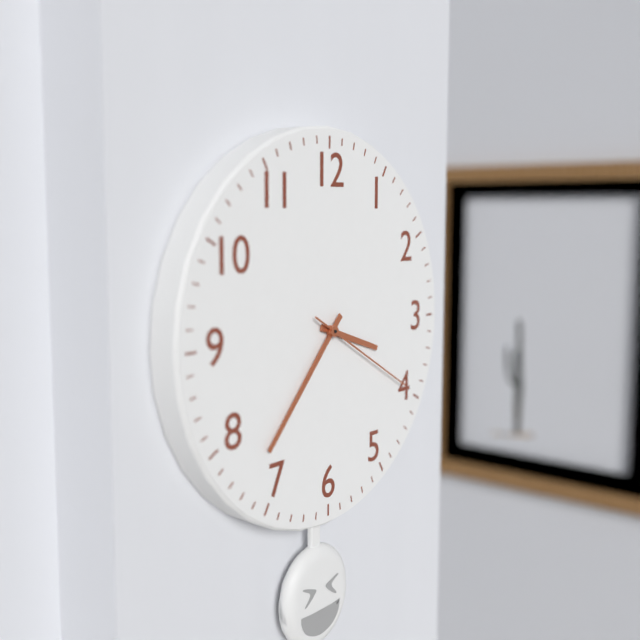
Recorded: 3 h 37 min 20 s
